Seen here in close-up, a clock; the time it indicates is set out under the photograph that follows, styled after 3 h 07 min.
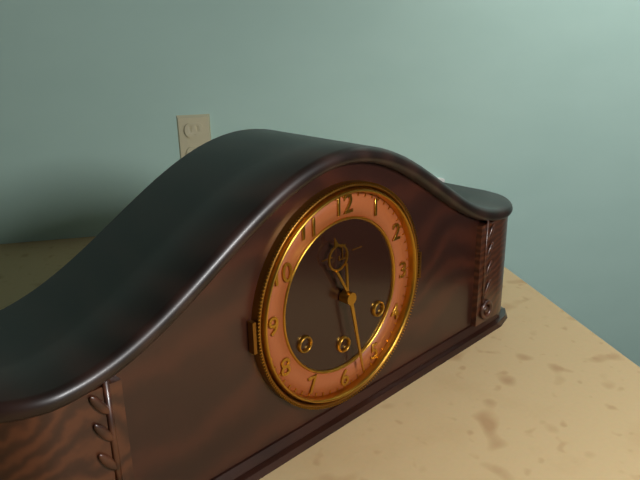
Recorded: 11 h 28 min
